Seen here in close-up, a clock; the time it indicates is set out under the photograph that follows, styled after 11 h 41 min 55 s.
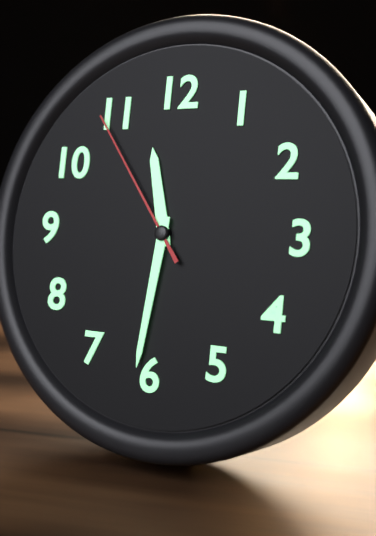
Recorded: 11 h 31 min 54 s
